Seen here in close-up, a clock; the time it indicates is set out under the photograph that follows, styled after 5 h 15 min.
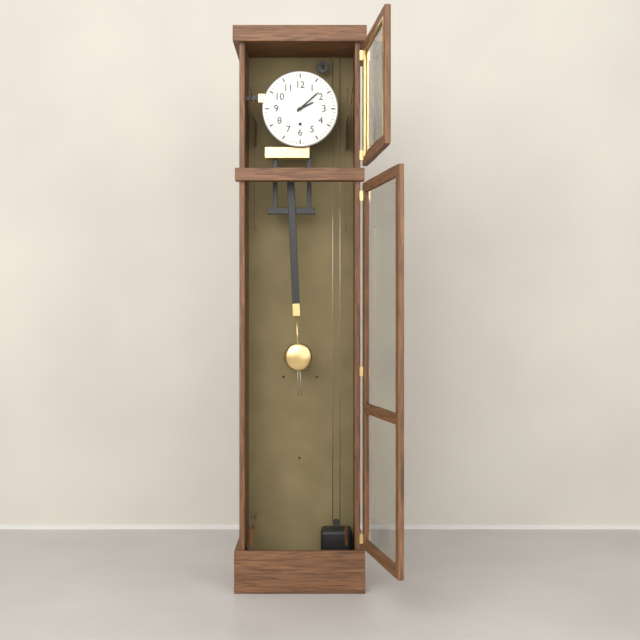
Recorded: 2 h 08 min
